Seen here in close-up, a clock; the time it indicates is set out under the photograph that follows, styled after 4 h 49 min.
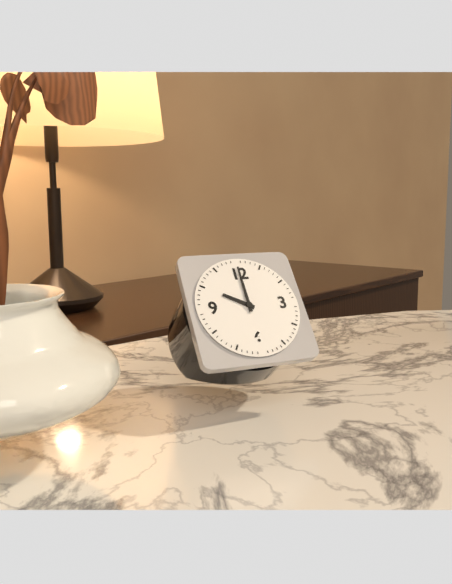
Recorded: 10 h 00 min
